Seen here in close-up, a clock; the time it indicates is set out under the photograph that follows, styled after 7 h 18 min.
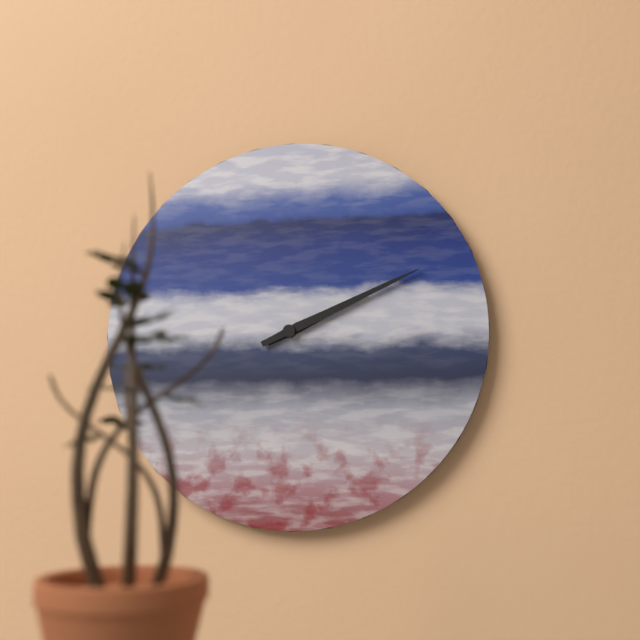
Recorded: 2 h 11 min
